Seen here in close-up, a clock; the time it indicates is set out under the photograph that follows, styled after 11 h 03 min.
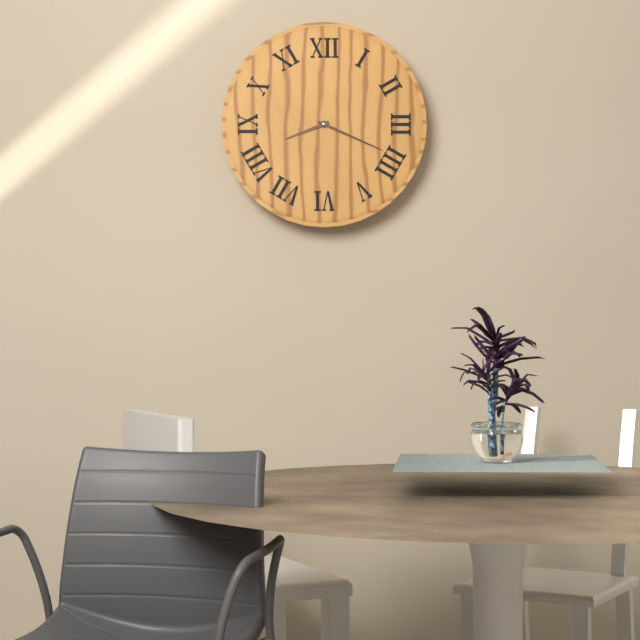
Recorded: 8 h 19 min
